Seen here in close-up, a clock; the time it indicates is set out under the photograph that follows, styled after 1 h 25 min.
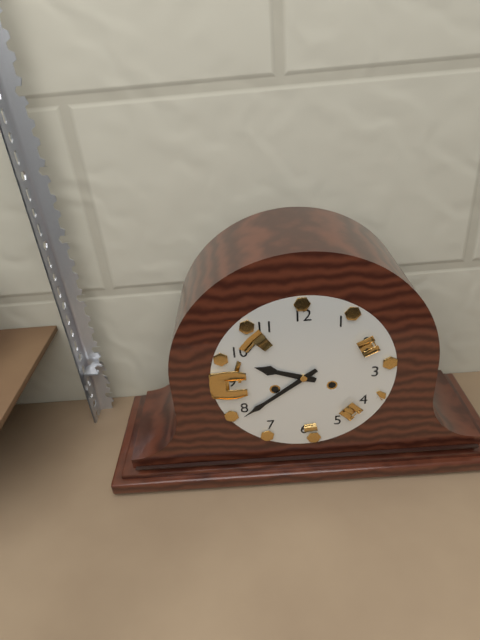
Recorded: 9 h 39 min
